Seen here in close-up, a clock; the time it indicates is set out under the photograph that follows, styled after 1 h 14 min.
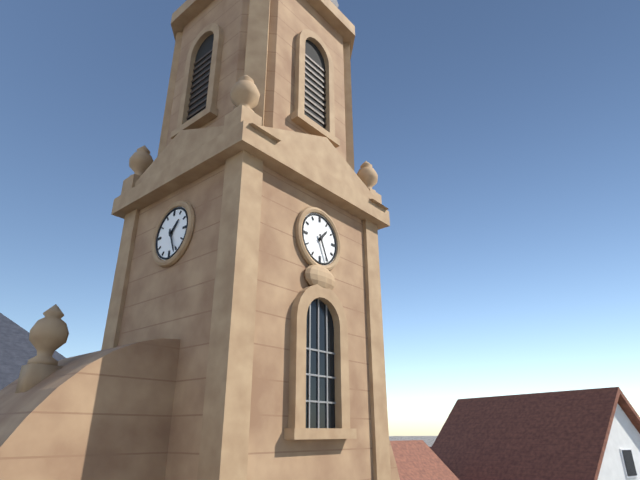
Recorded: 1 h 26 min
